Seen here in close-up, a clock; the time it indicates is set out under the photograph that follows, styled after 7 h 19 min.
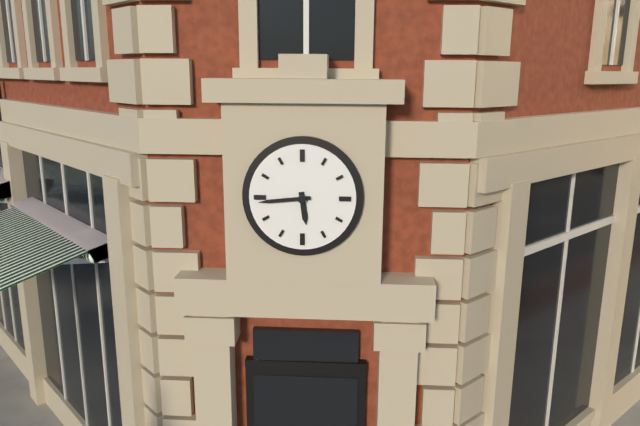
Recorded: 5 h 44 min
